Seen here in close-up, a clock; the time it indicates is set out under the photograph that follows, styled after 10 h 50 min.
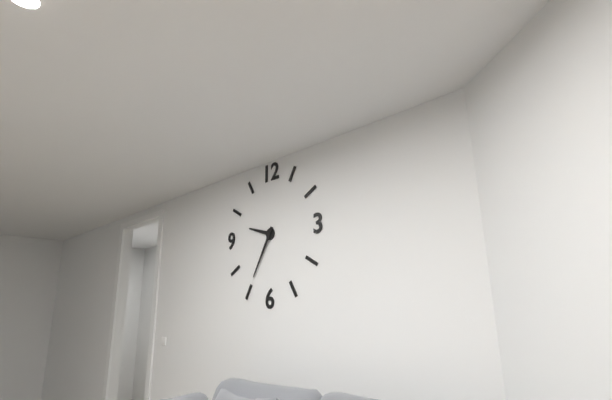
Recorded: 9 h 35 min
